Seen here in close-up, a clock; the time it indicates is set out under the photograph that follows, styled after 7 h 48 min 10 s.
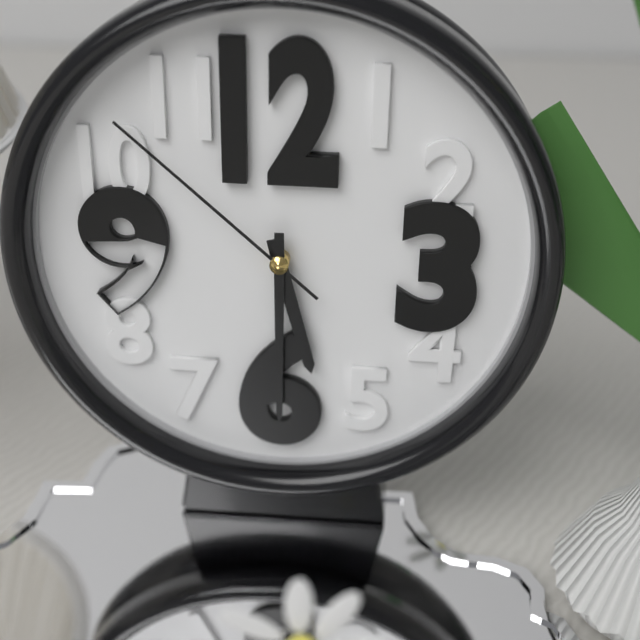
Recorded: 5 h 30 min 52 s
